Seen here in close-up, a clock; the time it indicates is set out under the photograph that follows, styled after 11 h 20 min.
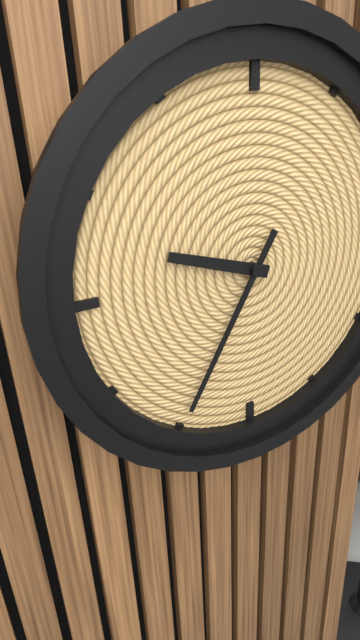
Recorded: 9 h 35 min
